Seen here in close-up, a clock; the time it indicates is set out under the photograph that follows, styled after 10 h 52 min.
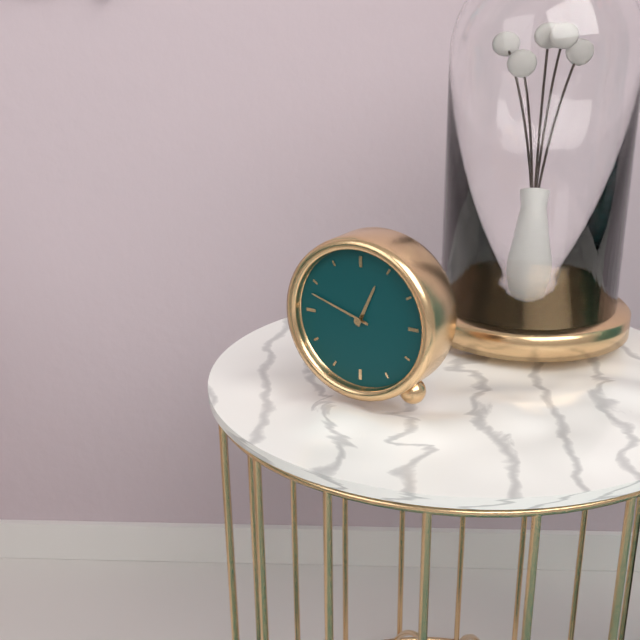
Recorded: 12 h 48 min
